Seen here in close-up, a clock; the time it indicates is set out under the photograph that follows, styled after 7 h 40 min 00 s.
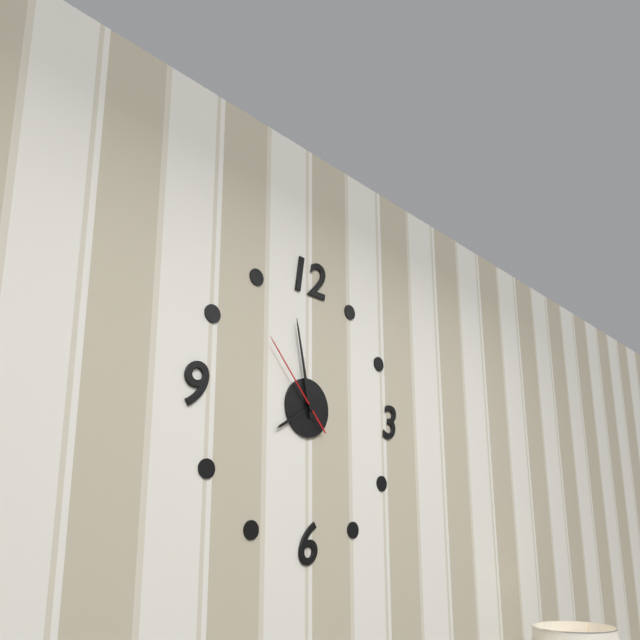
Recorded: 7 h 58 min 53 s
